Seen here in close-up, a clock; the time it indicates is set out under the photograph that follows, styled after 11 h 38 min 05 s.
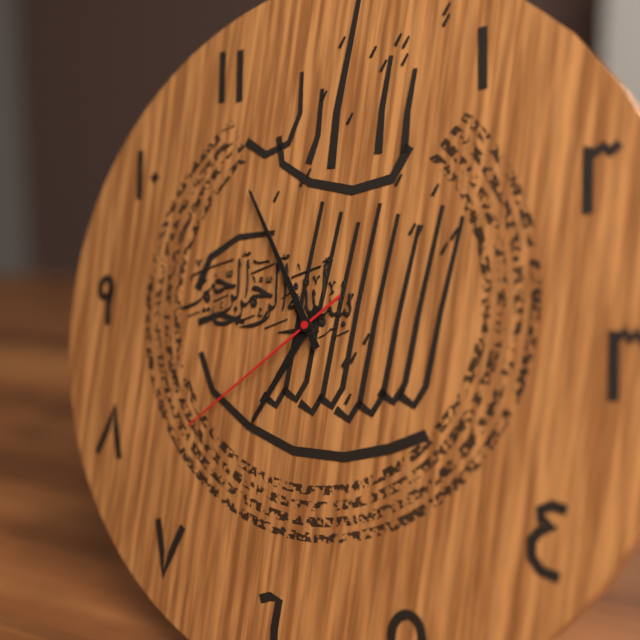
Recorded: 6 h 54 min 38 s
